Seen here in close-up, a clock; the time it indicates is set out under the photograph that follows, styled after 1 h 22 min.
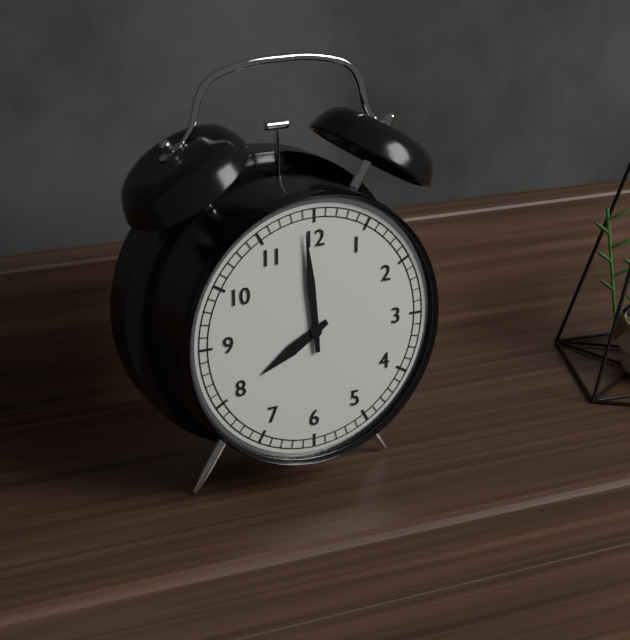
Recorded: 7 h 59 min
